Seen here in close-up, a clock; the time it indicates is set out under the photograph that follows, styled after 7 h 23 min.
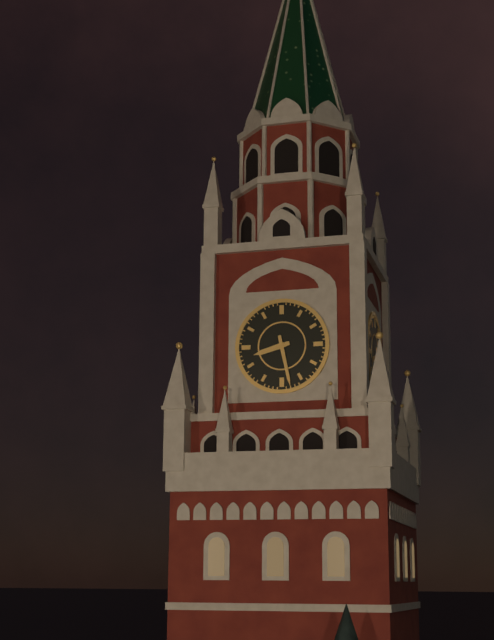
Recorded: 8 h 28 min
